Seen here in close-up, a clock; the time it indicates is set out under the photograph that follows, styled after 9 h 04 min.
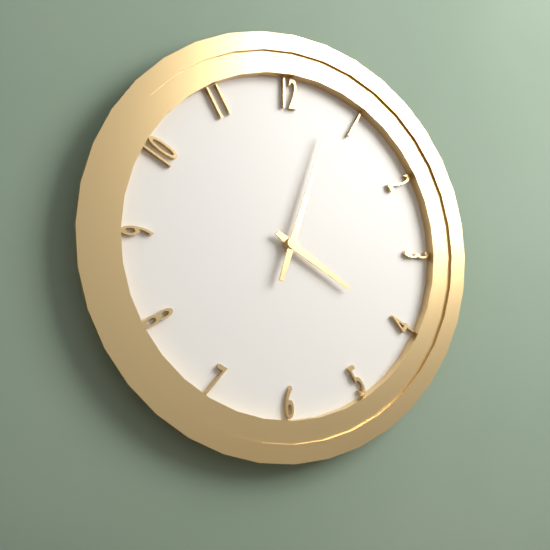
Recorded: 4 h 03 min
